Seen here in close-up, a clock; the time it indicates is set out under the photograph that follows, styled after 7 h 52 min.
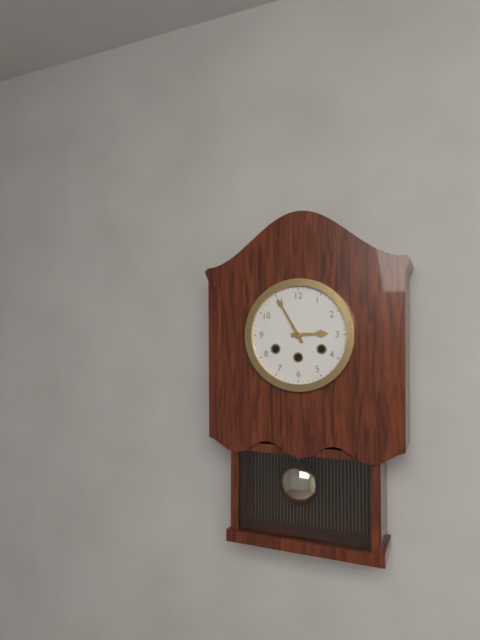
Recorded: 2 h 55 min
